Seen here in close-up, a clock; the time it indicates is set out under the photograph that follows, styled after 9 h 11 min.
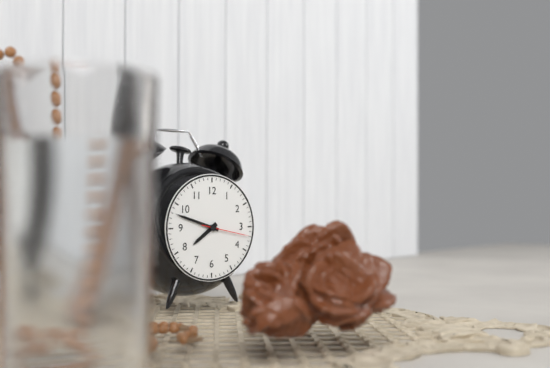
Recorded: 7 h 48 min
